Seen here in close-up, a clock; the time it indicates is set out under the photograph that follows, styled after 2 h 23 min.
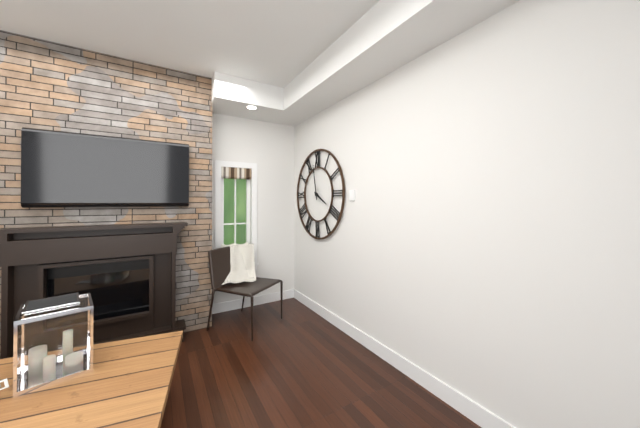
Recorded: 3 h 58 min
